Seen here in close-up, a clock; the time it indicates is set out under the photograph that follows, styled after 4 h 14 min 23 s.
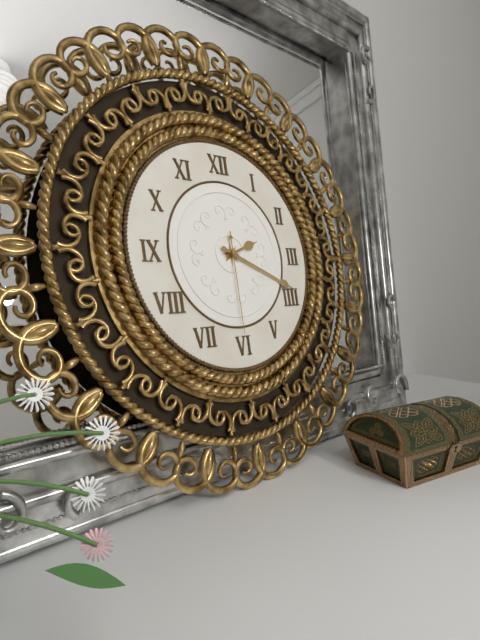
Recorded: 2 h 19 min 30 s
